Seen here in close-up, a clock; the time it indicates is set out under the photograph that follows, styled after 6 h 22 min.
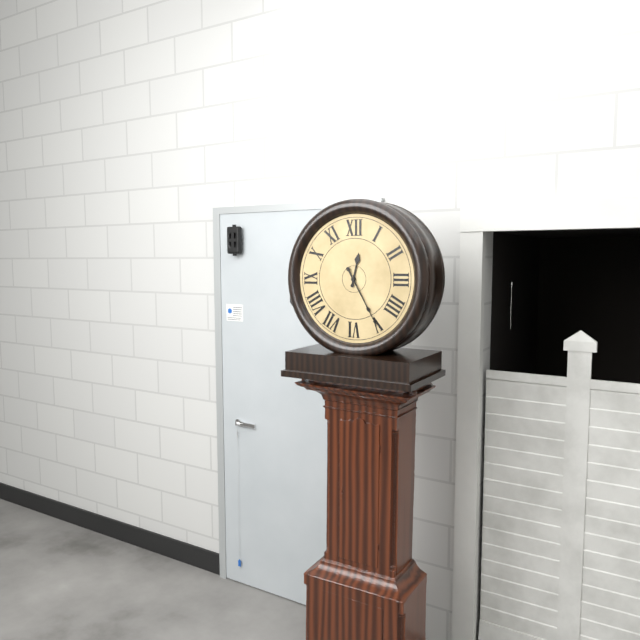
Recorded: 12 h 25 min
